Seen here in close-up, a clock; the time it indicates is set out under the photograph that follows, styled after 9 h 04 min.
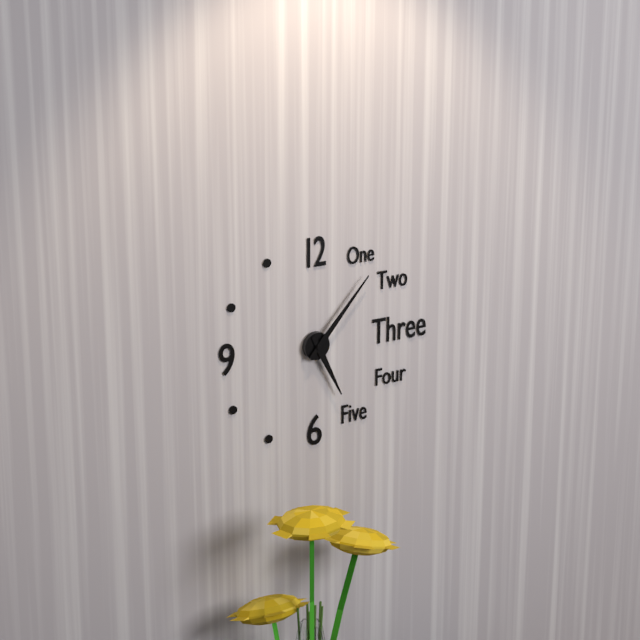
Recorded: 5 h 07 min
